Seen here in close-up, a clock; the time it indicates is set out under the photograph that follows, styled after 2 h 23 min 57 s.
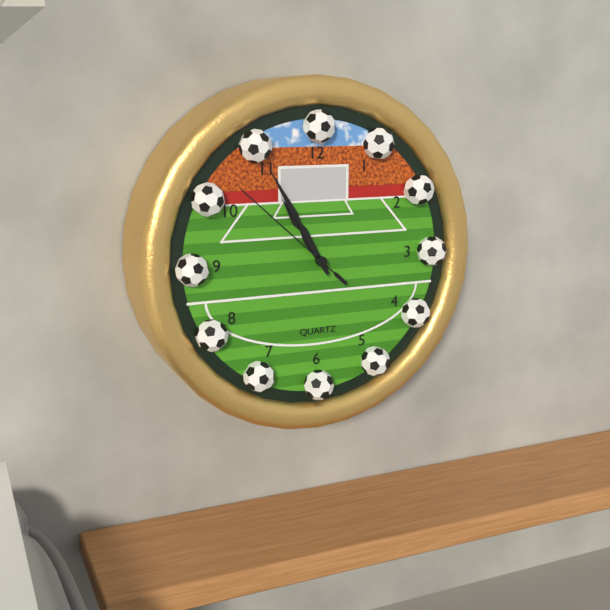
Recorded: 10 h 55 min 52 s
